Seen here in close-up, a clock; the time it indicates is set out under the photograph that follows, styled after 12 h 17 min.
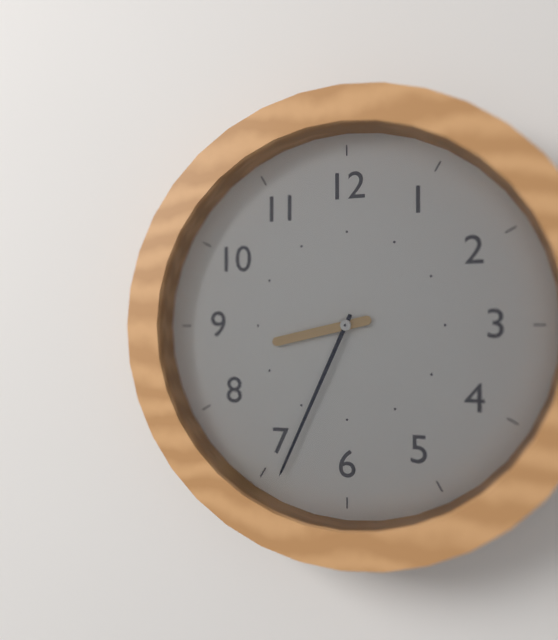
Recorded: 8 h 34 min
